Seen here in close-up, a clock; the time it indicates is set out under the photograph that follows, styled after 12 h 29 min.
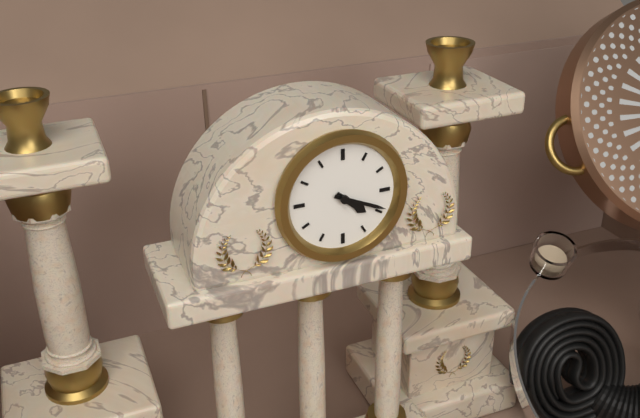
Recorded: 4 h 19 min
